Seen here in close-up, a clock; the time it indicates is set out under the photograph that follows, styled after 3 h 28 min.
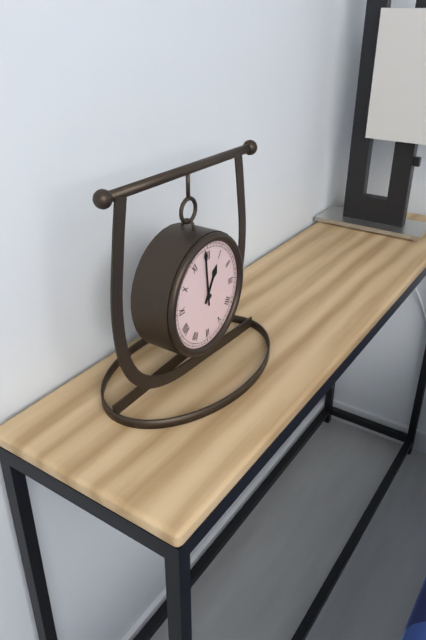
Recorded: 12 h 59 min
